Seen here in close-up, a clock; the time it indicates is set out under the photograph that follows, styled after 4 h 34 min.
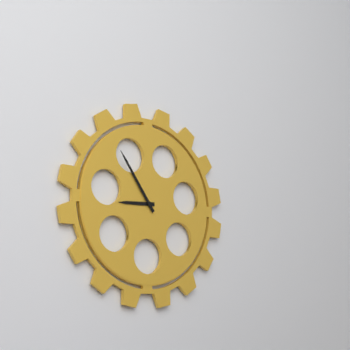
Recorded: 8 h 54 min
